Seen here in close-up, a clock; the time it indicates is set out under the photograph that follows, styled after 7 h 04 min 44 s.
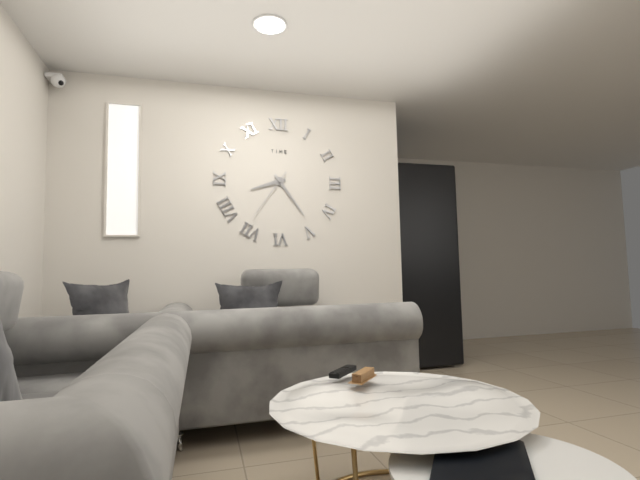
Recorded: 8 h 24 min 36 s
